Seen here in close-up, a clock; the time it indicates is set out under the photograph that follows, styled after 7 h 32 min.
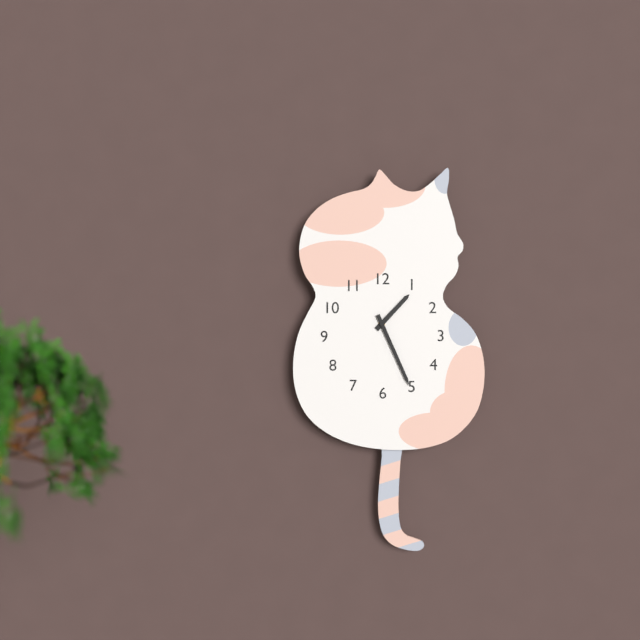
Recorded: 1 h 26 min
